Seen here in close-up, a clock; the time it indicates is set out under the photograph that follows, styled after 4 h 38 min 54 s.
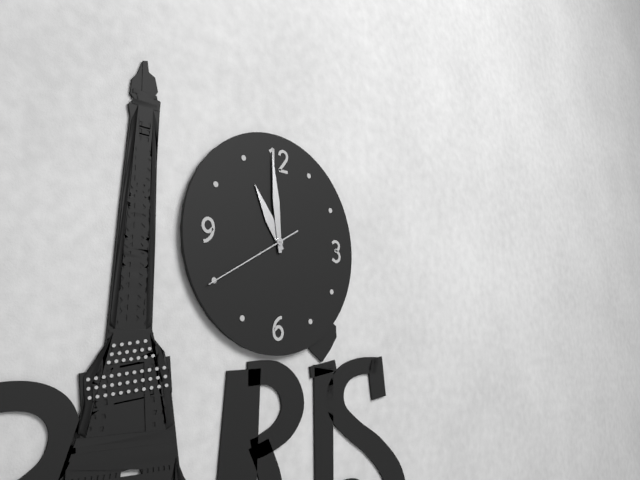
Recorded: 10 h 59 min 40 s
